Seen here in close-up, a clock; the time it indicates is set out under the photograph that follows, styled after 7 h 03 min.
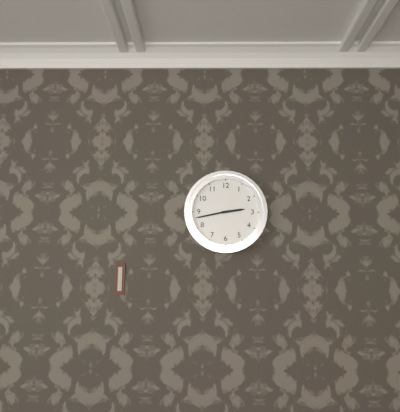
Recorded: 2 h 43 min
